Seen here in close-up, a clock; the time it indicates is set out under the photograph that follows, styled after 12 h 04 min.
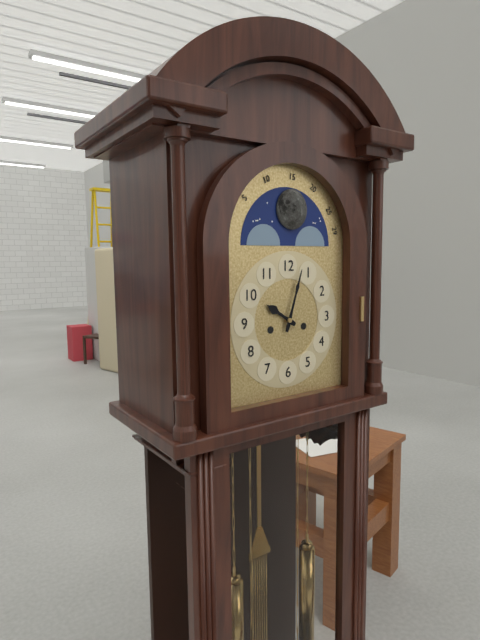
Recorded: 10 h 03 min
